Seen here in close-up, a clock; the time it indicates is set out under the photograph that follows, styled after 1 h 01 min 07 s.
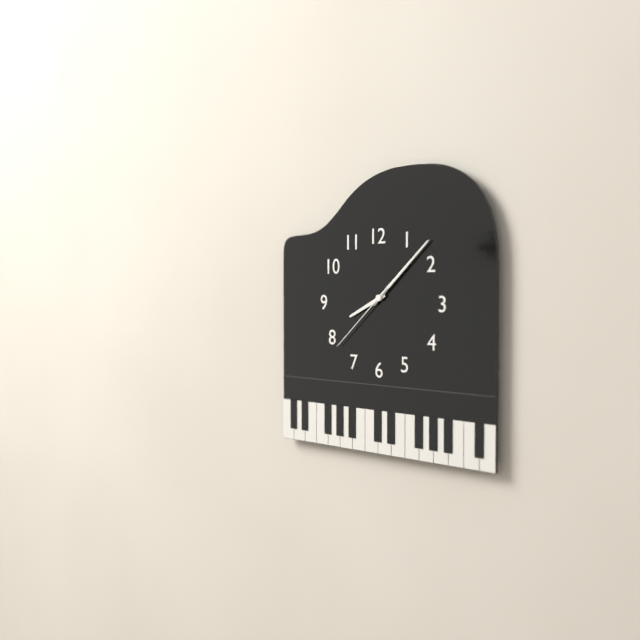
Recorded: 8 h 08 min 38 s
